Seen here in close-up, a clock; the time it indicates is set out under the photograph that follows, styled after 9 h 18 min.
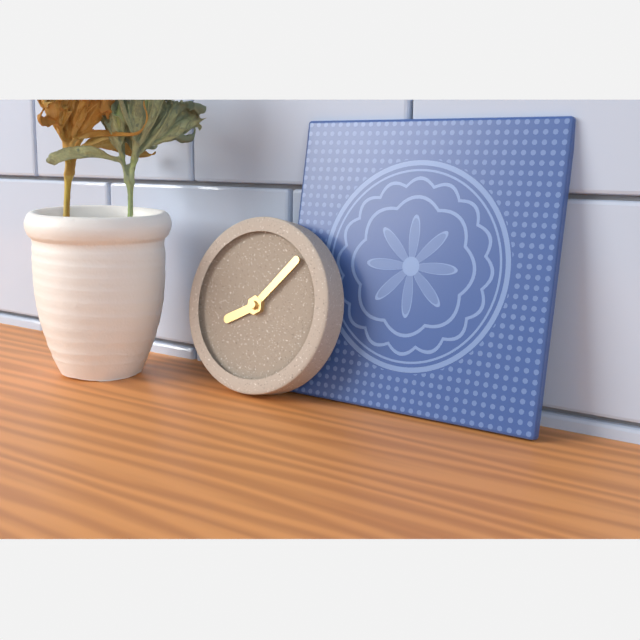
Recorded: 8 h 07 min
